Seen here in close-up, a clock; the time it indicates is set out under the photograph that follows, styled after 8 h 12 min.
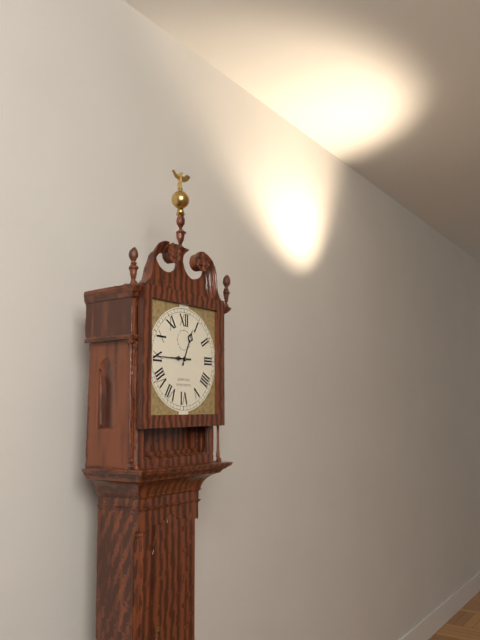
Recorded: 12 h 45 min
